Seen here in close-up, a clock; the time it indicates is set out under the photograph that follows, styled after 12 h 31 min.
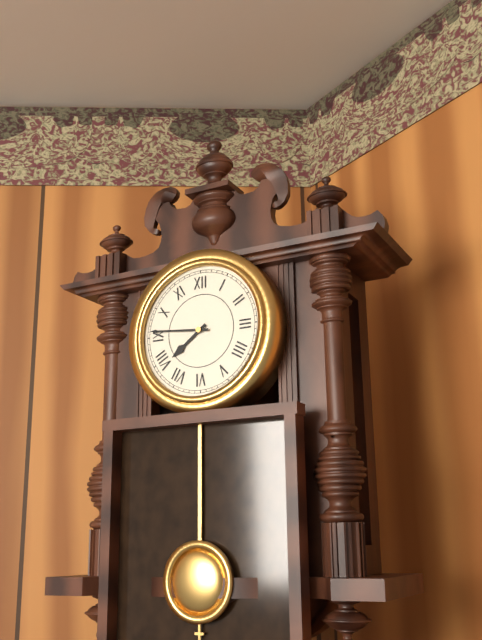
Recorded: 7 h 46 min
